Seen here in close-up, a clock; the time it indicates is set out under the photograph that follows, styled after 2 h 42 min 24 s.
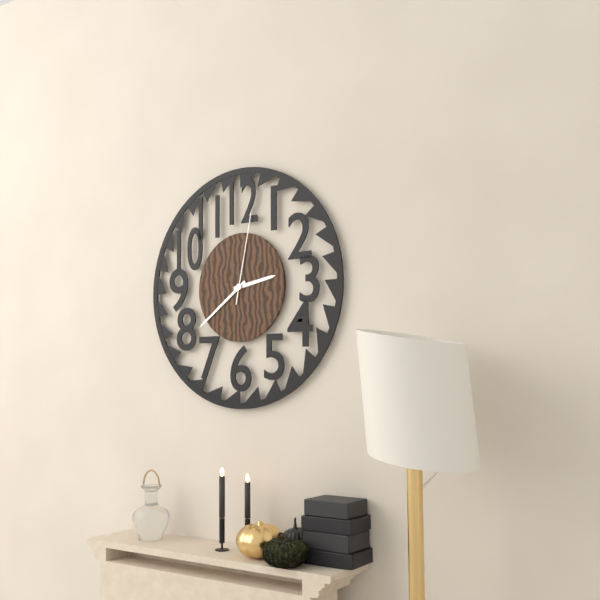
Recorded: 2 h 39 min 02 s
